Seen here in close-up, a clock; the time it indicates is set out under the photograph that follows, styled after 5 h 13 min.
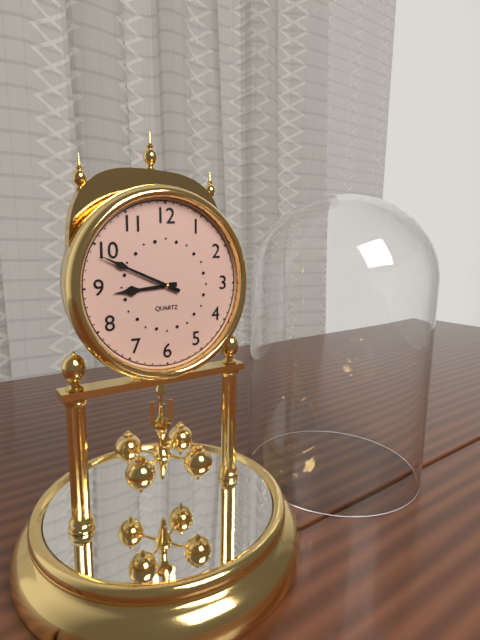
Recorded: 8 h 49 min
